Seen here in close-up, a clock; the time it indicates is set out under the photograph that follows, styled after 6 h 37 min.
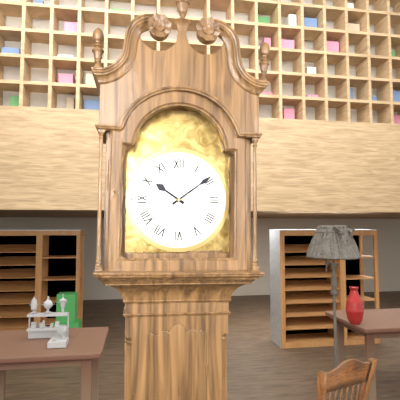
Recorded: 10 h 09 min
